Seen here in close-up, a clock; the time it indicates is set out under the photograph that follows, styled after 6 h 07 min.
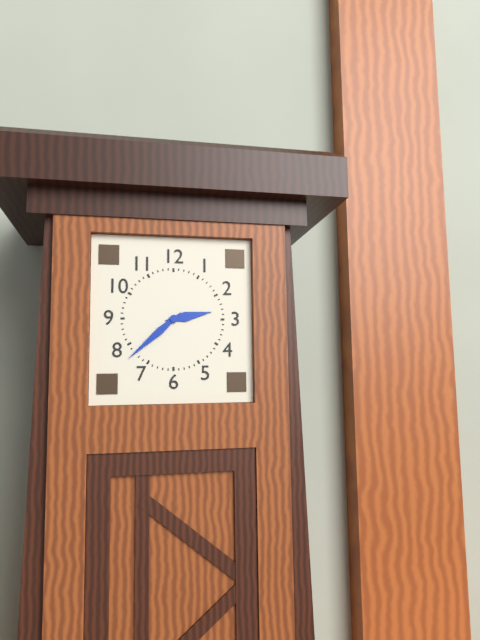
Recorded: 2 h 38 min
